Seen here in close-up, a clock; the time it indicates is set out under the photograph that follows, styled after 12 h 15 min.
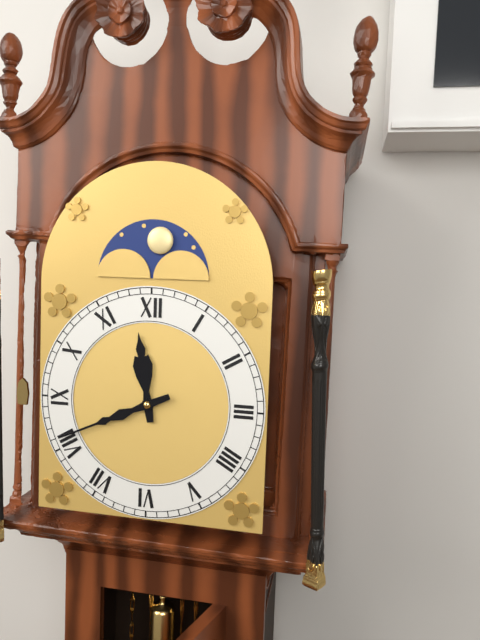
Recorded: 11 h 41 min
